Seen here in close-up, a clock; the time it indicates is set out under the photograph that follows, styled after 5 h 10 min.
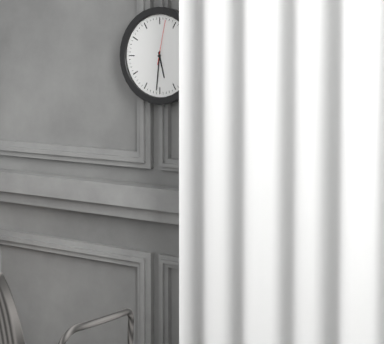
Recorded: 5 h 31 min
